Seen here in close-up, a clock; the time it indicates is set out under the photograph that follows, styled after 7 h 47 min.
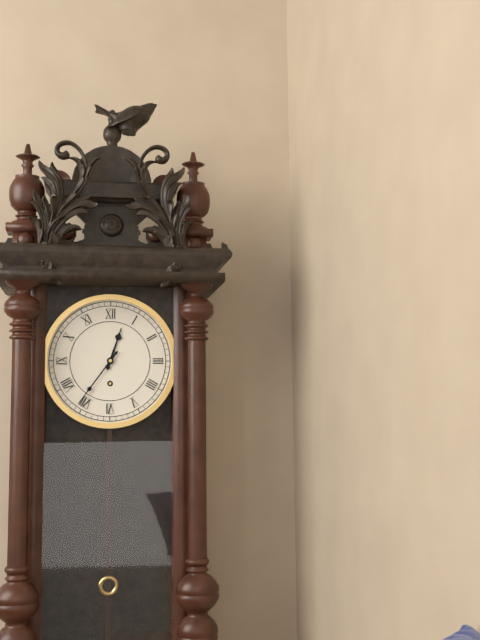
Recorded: 12 h 36 min
